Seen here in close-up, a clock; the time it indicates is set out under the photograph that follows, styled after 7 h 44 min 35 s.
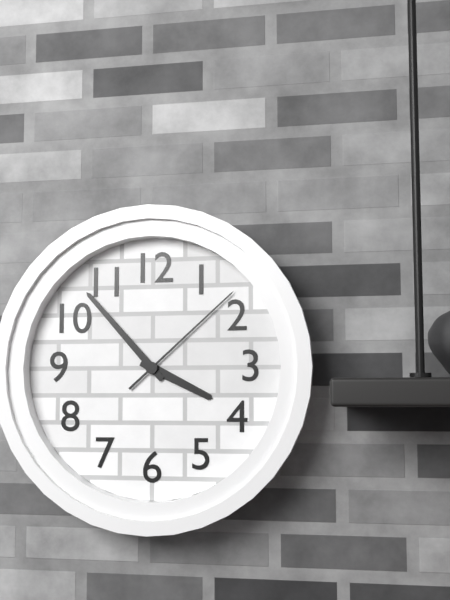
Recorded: 3 h 53 min 08 s
